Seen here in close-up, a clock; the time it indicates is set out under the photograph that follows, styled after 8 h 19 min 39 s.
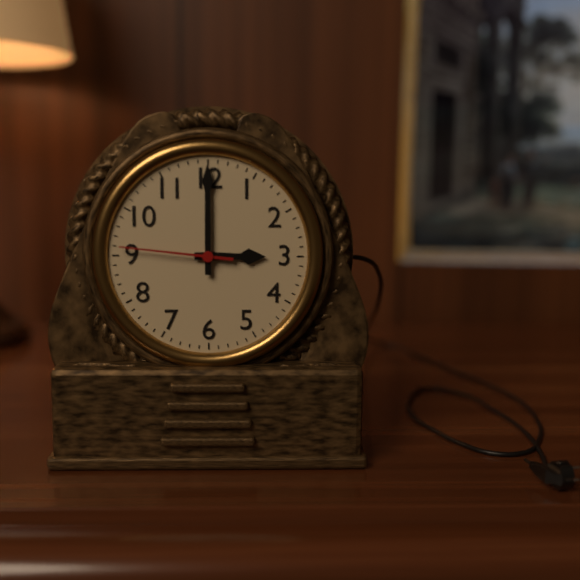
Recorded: 3 h 00 min 46 s
